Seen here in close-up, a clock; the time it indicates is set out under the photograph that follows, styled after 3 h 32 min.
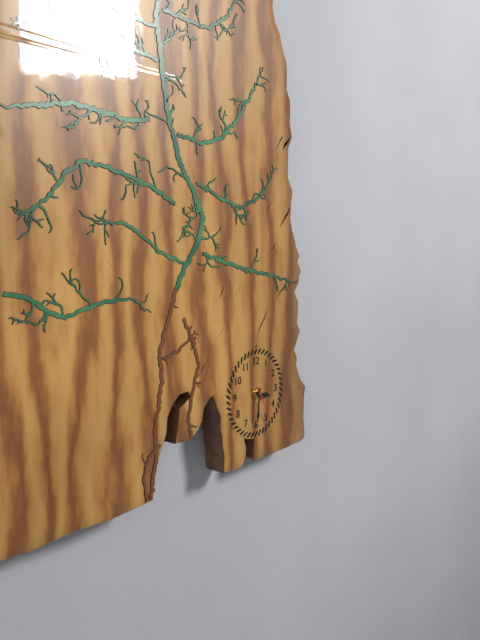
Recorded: 3 h 31 min
